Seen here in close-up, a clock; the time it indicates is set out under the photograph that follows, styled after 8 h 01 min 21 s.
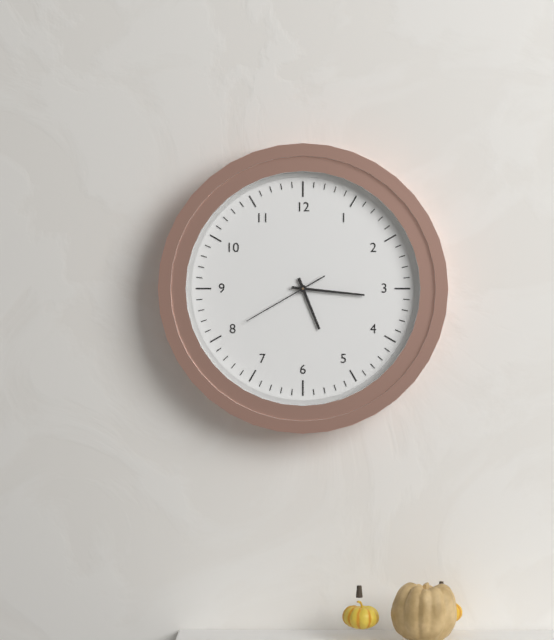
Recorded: 5 h 16 min 40 s
